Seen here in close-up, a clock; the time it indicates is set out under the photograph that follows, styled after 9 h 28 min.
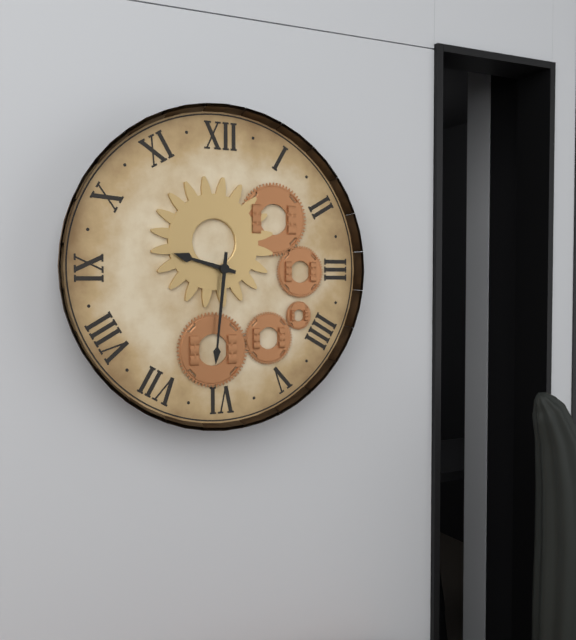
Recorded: 9 h 31 min
